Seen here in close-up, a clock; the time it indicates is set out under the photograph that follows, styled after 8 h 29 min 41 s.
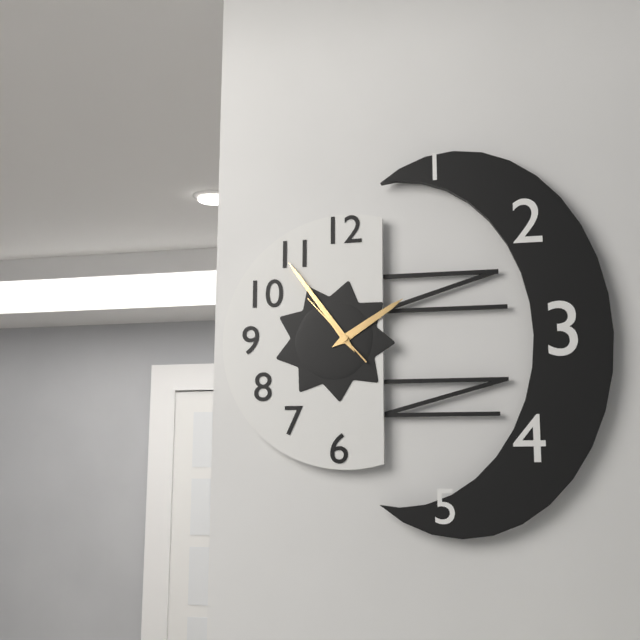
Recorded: 1 h 54 min 53 s
